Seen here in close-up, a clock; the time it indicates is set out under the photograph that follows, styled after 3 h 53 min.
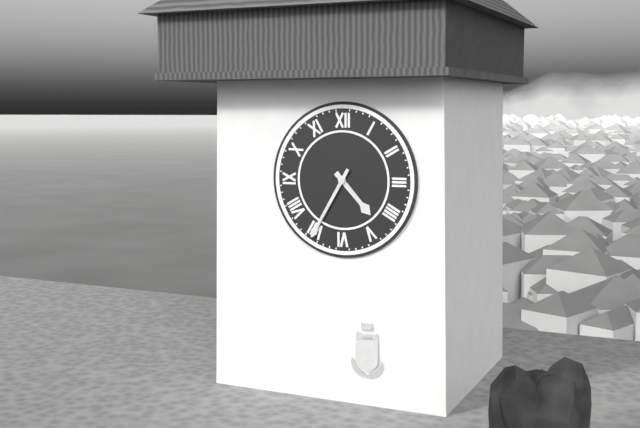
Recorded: 4 h 35 min
